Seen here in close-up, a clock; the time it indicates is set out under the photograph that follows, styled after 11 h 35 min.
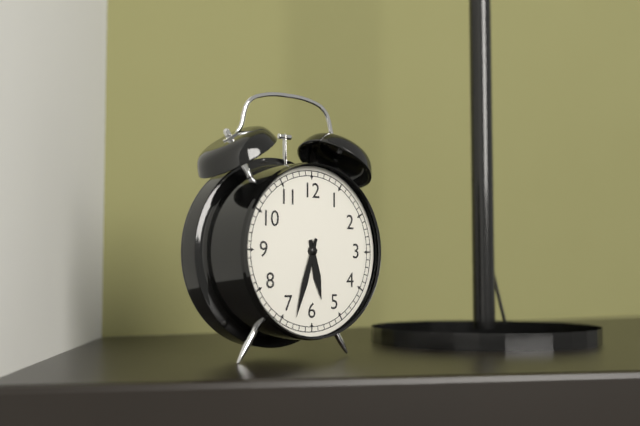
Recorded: 5 h 33 min
